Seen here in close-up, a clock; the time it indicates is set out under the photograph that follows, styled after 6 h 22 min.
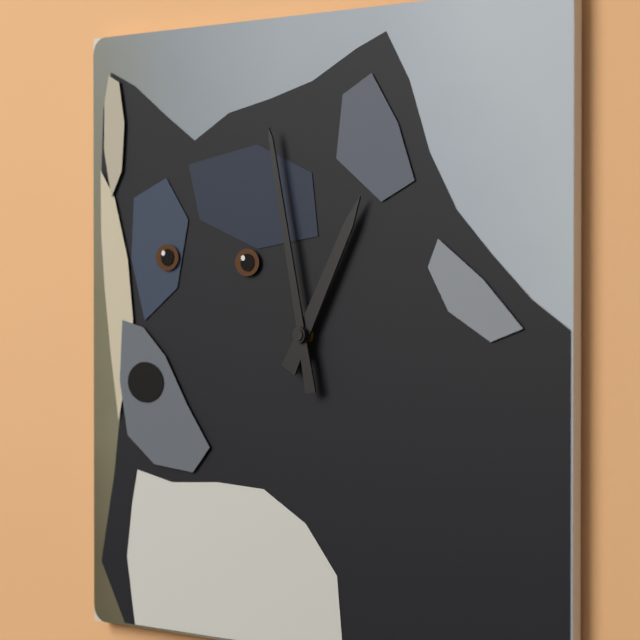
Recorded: 12 h 58 min
